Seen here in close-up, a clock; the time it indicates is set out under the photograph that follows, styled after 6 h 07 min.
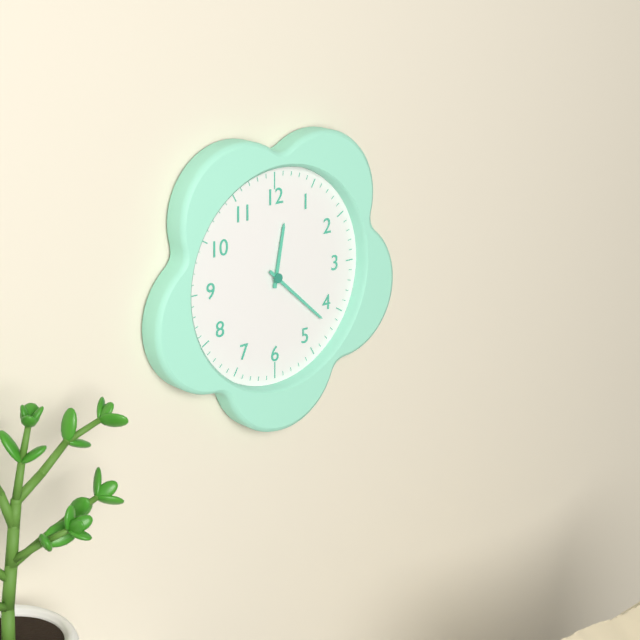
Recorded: 12 h 22 min
